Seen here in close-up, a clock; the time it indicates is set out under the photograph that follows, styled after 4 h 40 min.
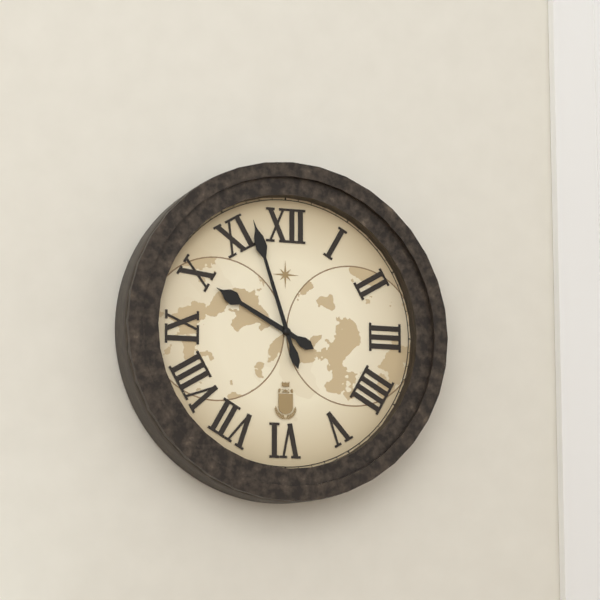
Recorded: 9 h 57 min
